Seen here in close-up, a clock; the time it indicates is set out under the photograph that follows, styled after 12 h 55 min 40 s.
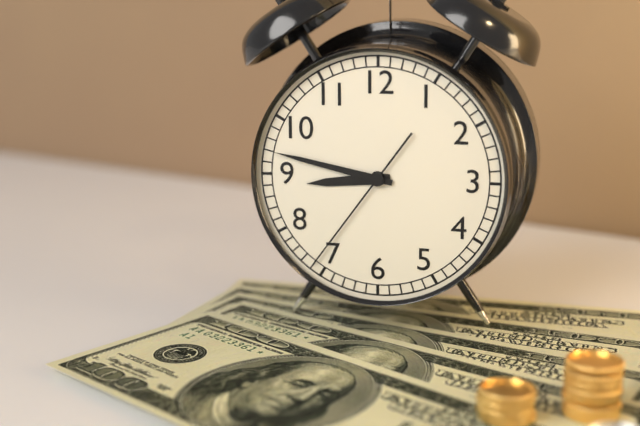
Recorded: 8 h 47 min 36 s
